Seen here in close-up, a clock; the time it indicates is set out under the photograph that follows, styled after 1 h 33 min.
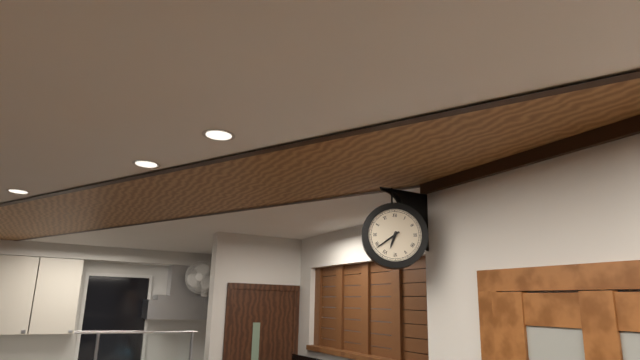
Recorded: 6 h 39 min
